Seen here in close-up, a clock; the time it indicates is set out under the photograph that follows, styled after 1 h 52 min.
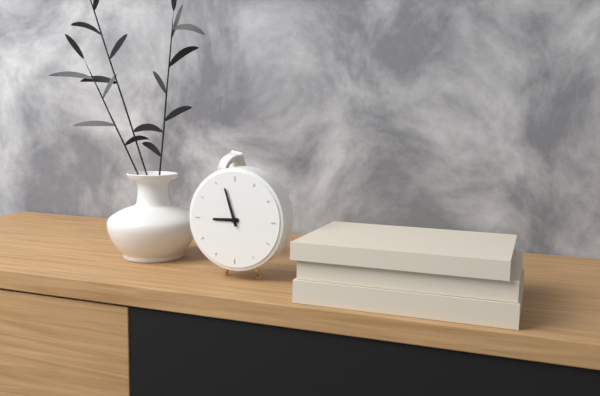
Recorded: 8 h 57 min
